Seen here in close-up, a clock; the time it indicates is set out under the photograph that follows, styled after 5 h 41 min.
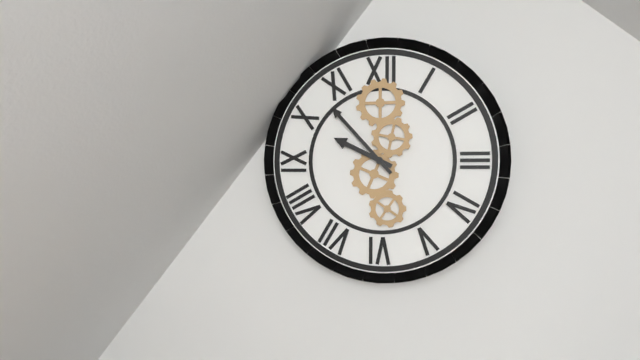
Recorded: 9 h 53 min
